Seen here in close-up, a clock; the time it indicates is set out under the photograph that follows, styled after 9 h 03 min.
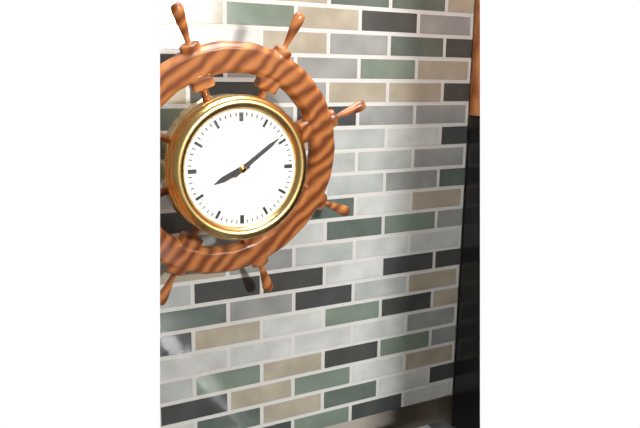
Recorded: 8 h 09 min
